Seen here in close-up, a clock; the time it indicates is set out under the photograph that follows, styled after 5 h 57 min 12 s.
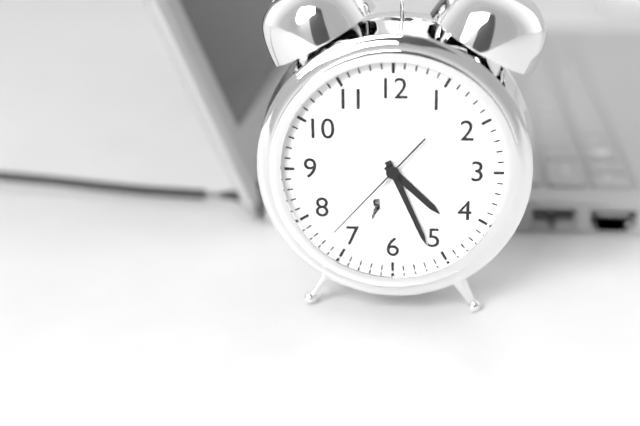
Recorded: 4 h 26 min 37 s
